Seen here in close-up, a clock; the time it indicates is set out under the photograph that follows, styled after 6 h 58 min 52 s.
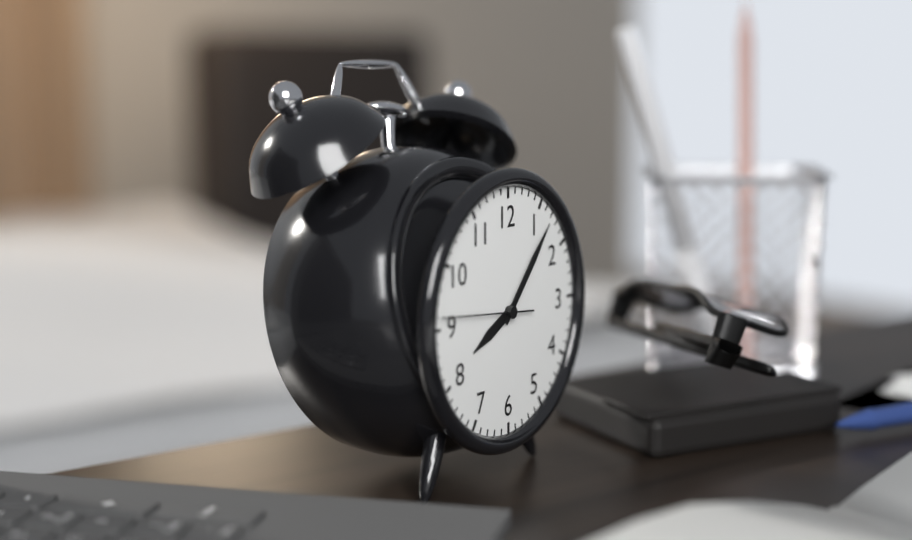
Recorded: 8 h 07 min 46 s
